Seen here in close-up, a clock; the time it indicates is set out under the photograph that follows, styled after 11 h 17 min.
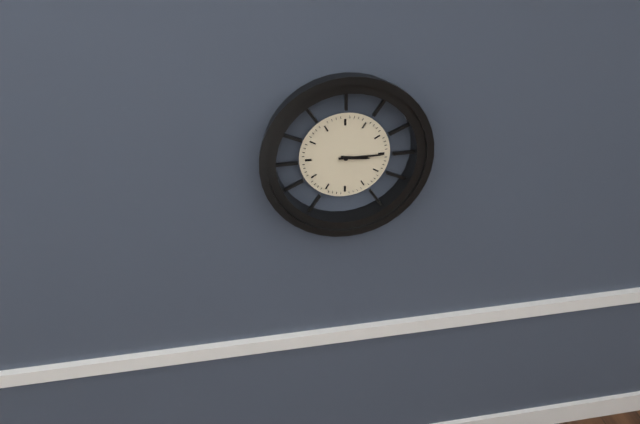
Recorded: 3 h 15 min
